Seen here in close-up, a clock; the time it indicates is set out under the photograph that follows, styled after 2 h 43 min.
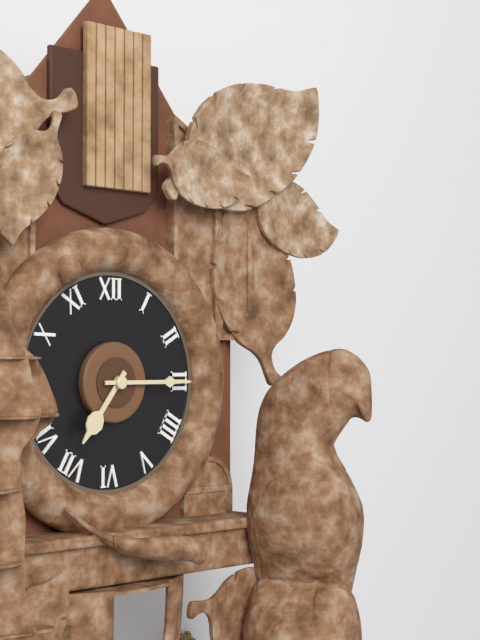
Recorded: 7 h 15 min
